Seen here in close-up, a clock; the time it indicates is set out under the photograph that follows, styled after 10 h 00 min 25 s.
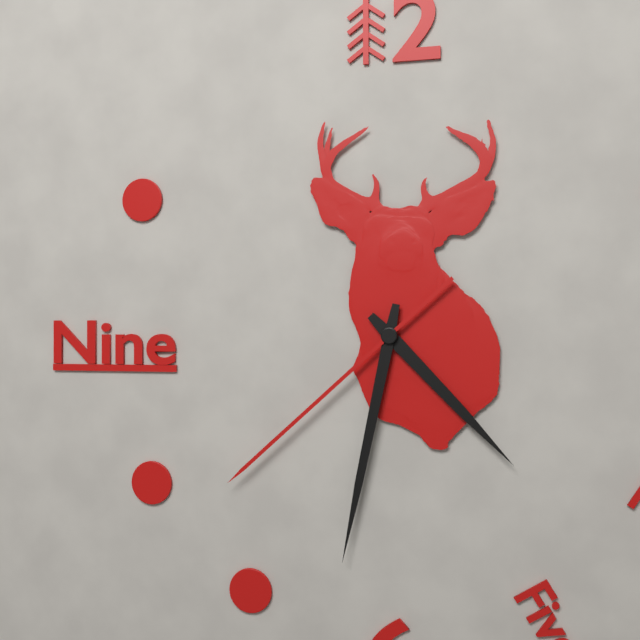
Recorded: 4 h 32 min 38 s
